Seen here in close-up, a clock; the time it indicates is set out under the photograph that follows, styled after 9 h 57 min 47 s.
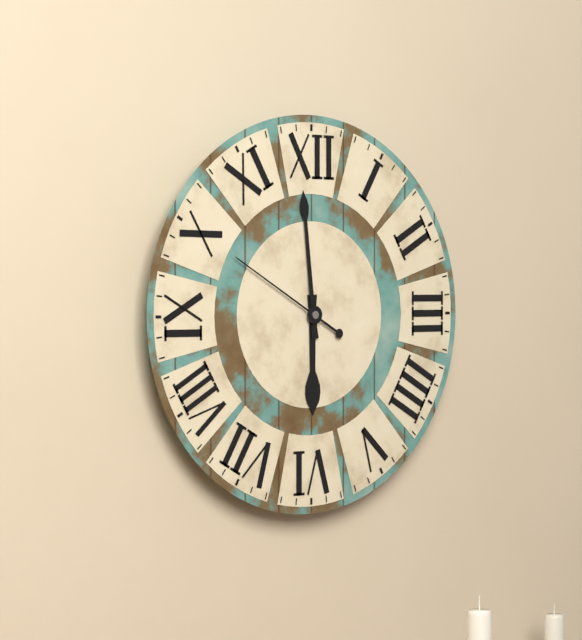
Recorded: 5 h 59 min 50 s
